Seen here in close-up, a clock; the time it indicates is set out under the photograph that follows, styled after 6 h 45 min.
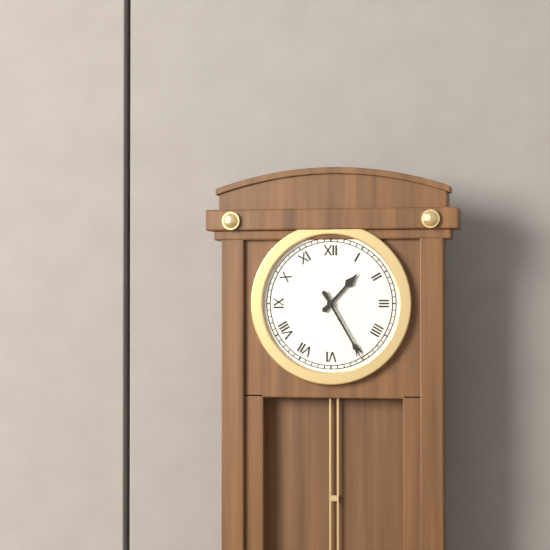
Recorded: 1 h 25 min
